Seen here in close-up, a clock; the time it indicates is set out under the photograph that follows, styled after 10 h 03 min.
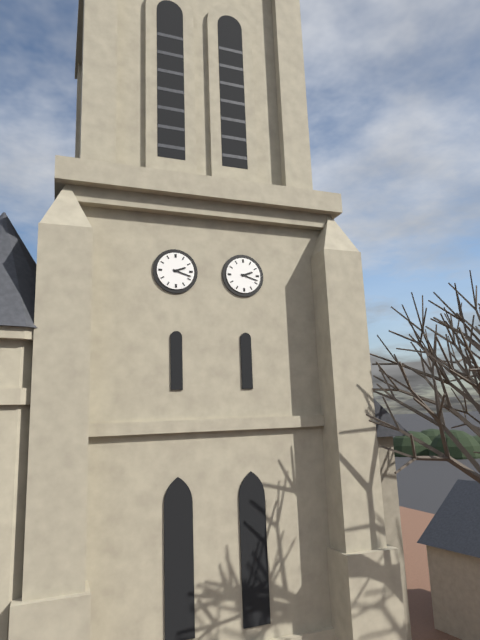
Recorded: 2 h 18 min
